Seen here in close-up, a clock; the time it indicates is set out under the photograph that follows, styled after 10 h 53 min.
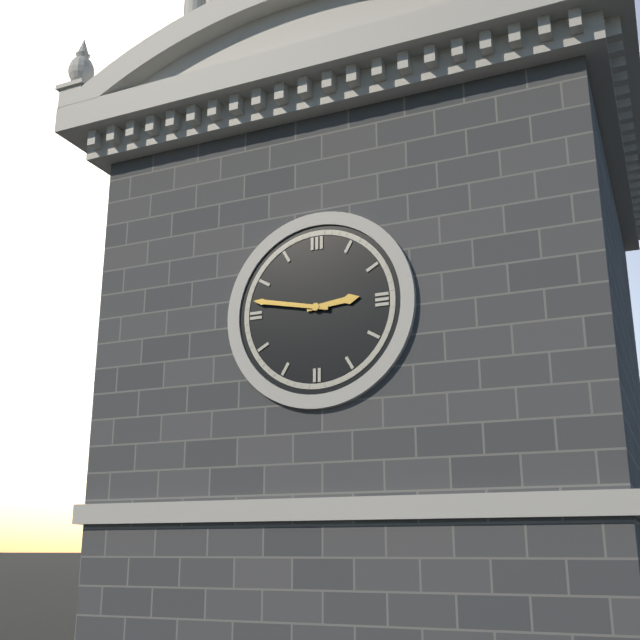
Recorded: 2 h 47 min
